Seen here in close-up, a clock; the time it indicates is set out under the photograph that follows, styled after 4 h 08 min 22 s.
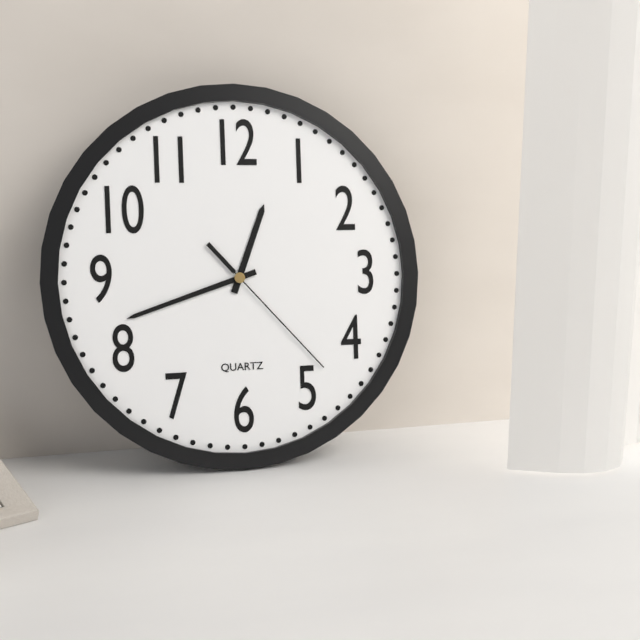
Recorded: 12 h 42 min 23 s
